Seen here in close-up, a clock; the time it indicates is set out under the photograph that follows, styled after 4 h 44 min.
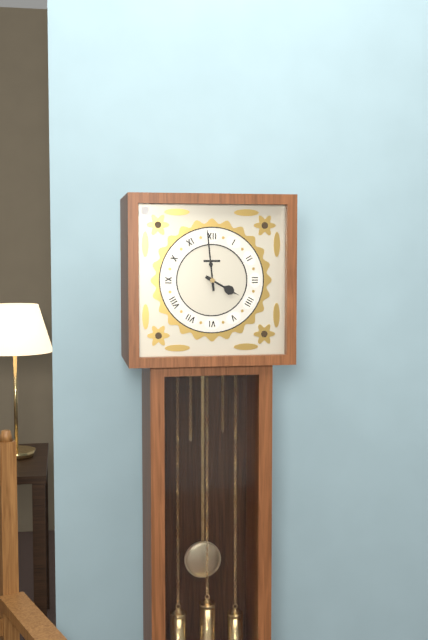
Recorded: 3 h 59 min
